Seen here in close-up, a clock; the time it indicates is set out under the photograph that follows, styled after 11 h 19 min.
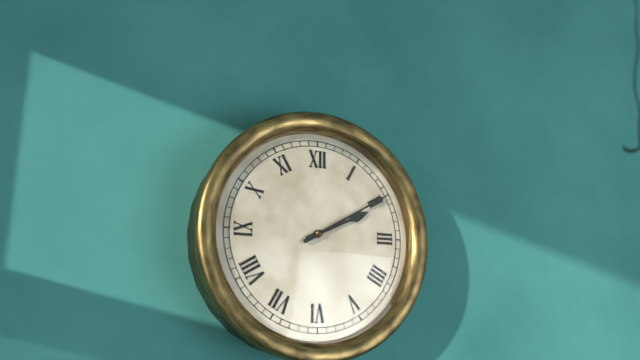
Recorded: 2 h 10 min
